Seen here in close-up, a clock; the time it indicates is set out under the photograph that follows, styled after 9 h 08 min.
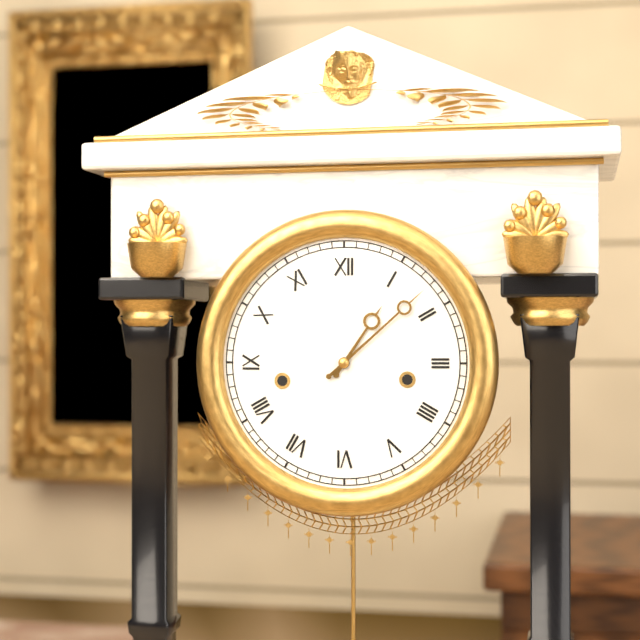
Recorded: 1 h 08 min
